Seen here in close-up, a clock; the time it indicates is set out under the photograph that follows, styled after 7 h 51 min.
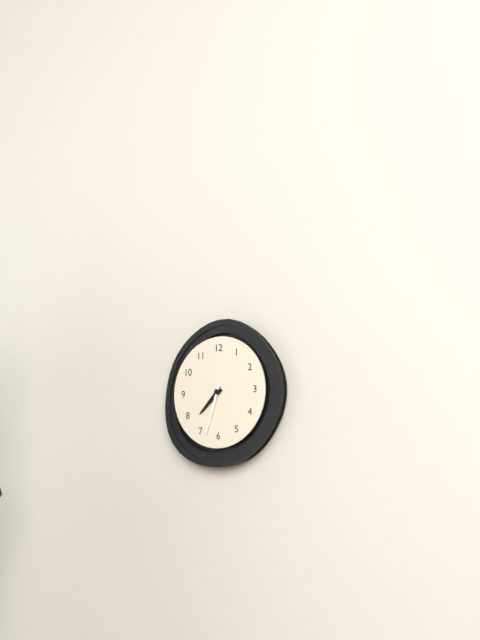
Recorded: 7 h 33 min
